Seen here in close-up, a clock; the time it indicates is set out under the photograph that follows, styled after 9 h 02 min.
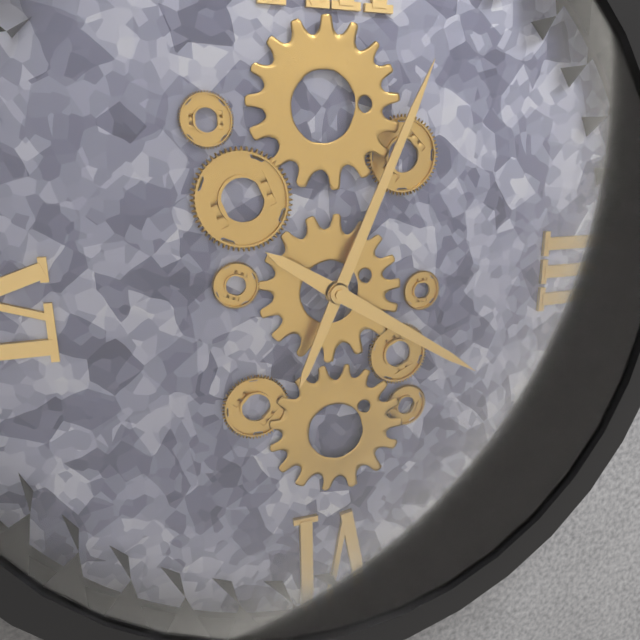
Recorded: 4 h 04 min
